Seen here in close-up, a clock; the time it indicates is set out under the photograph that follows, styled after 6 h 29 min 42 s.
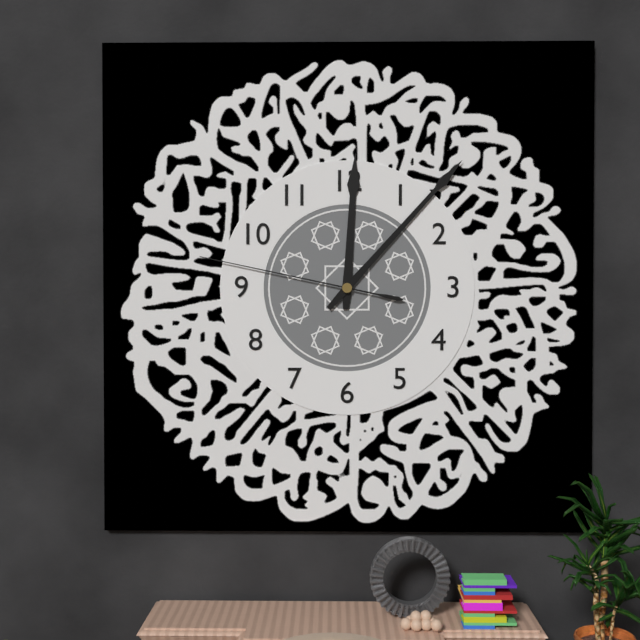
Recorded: 12 h 07 min 47 s
